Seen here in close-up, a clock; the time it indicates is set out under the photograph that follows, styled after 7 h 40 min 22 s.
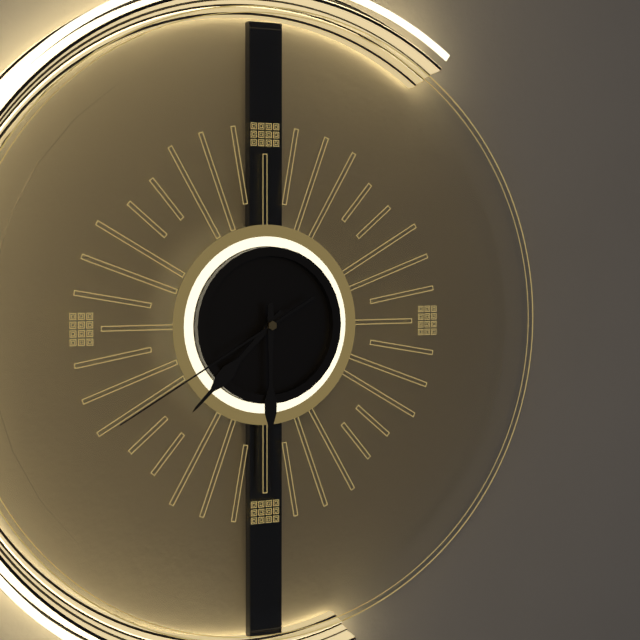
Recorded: 7 h 30 min 40 s
